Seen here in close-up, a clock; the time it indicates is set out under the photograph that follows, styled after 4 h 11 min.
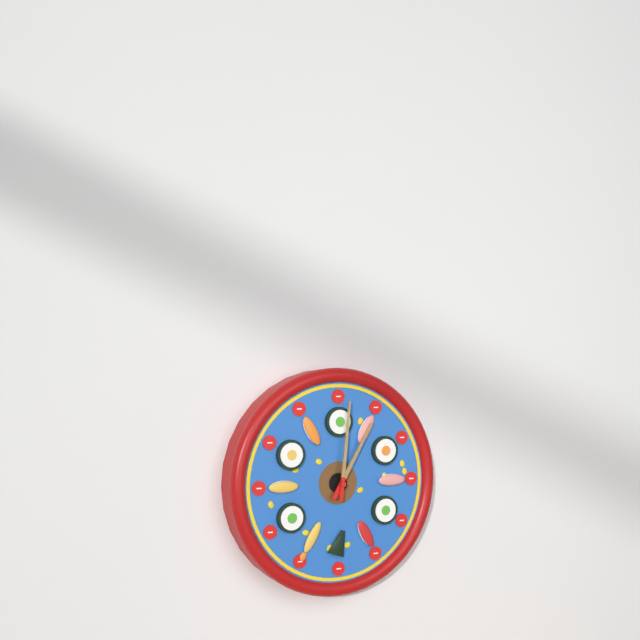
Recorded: 1 h 01 min
